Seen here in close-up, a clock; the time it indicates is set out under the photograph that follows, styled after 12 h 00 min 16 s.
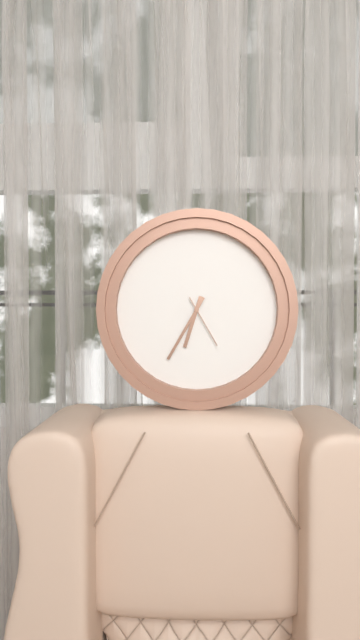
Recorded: 6 h 35 min 25 s
